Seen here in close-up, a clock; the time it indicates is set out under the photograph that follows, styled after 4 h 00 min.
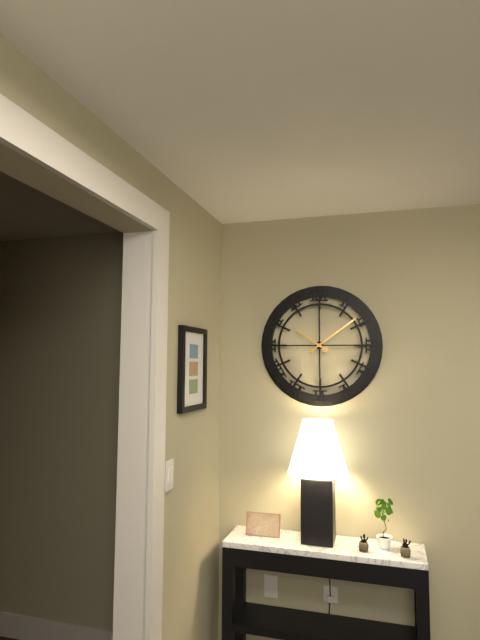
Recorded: 10 h 09 min
